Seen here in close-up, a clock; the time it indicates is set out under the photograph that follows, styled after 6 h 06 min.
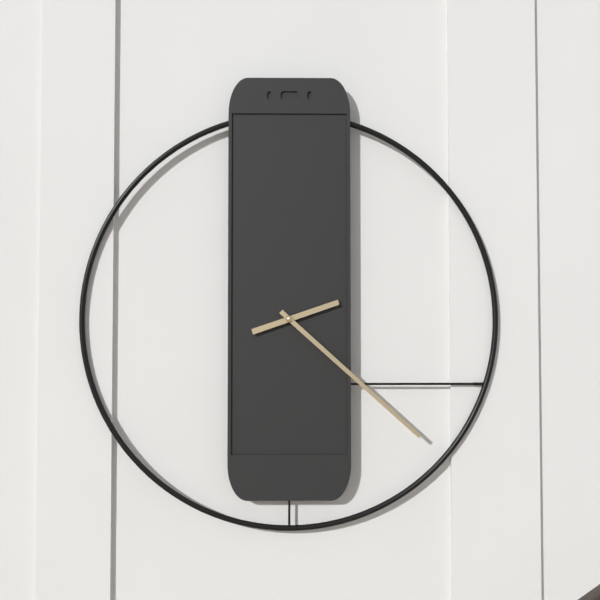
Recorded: 2 h 22 min
